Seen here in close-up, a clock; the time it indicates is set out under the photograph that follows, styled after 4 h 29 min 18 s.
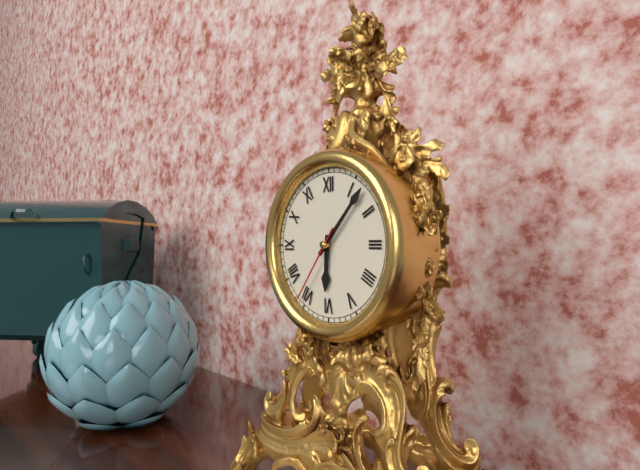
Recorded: 6 h 07 min 36 s
